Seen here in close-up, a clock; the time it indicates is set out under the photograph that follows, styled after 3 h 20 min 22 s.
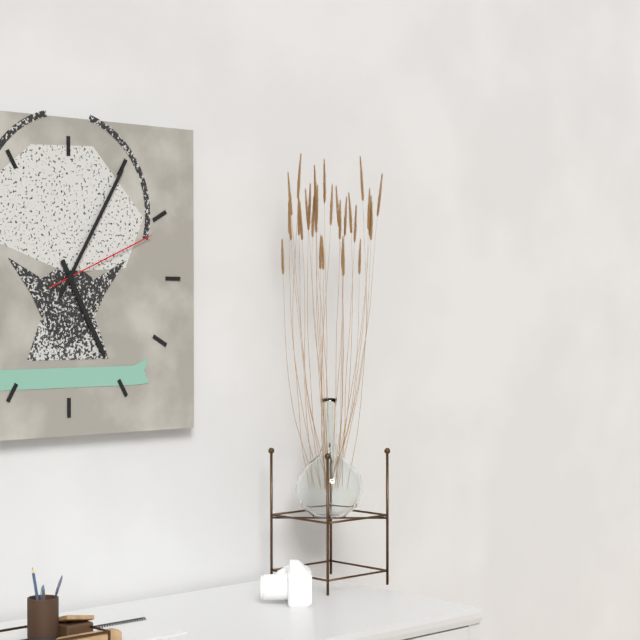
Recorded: 5 h 05 min 11 s
